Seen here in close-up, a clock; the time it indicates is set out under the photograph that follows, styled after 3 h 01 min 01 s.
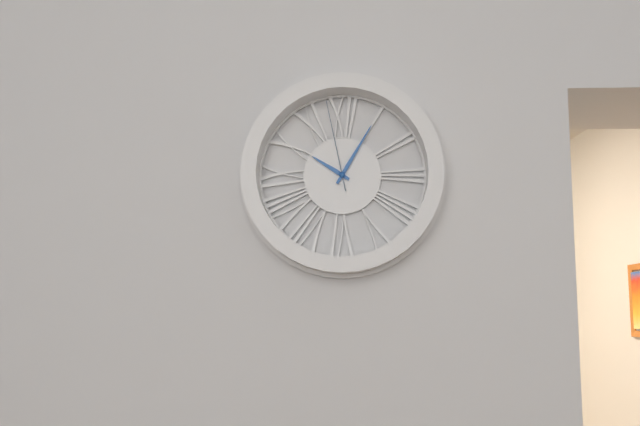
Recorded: 10 h 05 min 58 s
